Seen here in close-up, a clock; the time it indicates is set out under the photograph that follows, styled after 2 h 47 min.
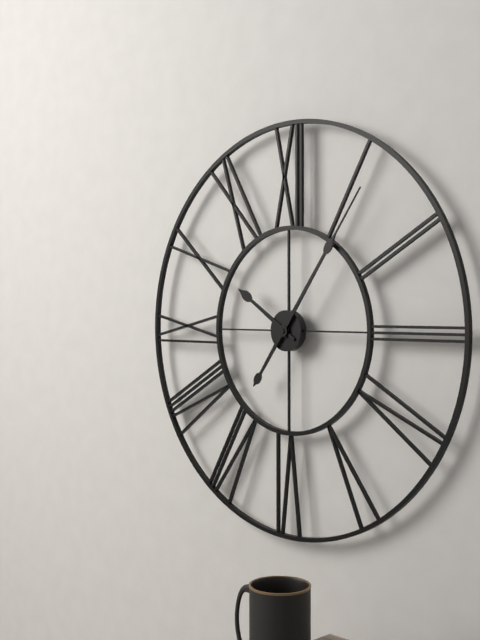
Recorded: 10 h 06 min
